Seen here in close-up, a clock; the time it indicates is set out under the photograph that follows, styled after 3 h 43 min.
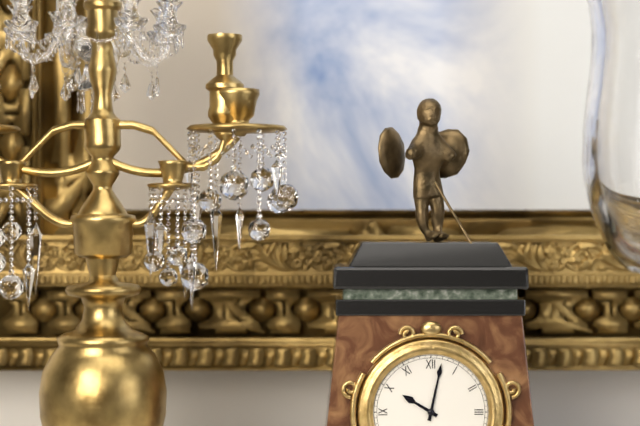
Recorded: 10 h 02 min
